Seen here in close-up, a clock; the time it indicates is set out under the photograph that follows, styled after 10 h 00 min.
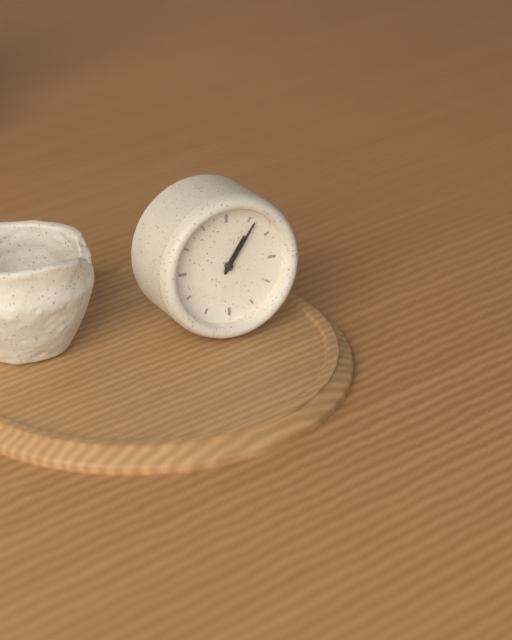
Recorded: 1 h 06 min
